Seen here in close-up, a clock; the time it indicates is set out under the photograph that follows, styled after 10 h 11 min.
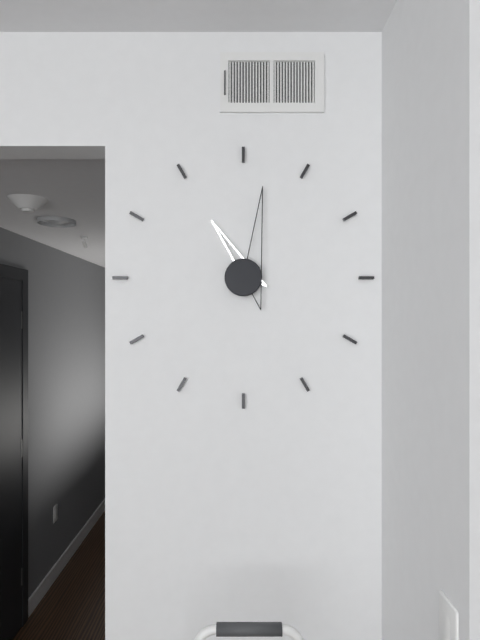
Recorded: 11 h 02 min
